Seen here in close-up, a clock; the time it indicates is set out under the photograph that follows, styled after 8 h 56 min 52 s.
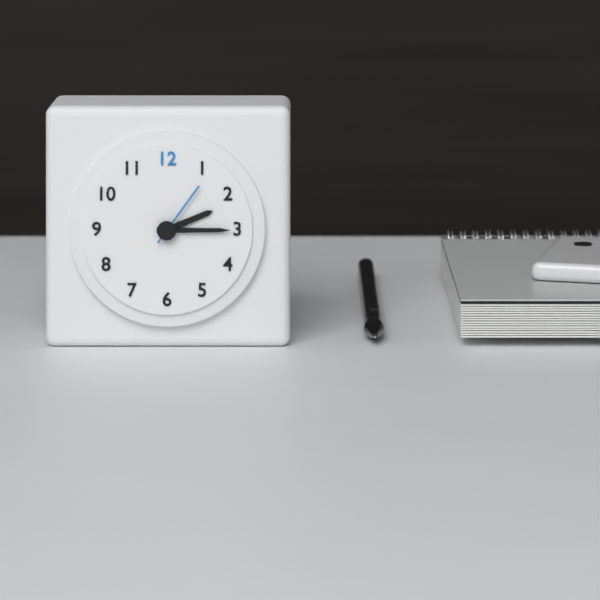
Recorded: 2 h 15 min 06 s
